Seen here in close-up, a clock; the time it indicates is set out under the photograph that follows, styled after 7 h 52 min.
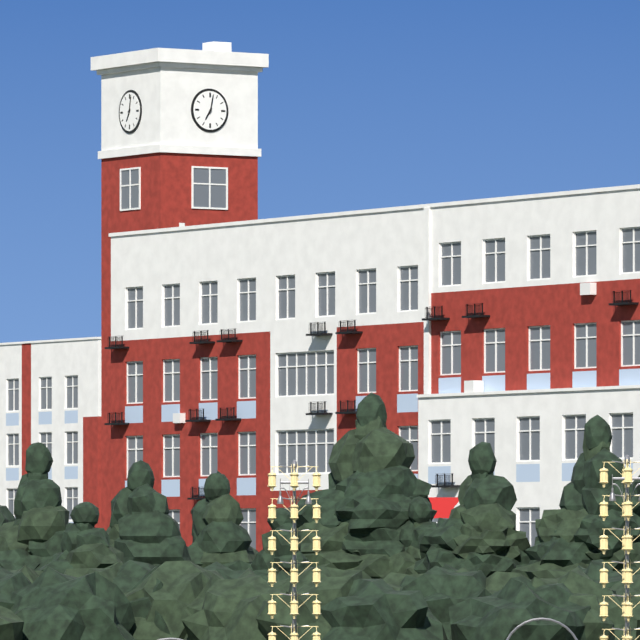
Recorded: 7 h 02 min
